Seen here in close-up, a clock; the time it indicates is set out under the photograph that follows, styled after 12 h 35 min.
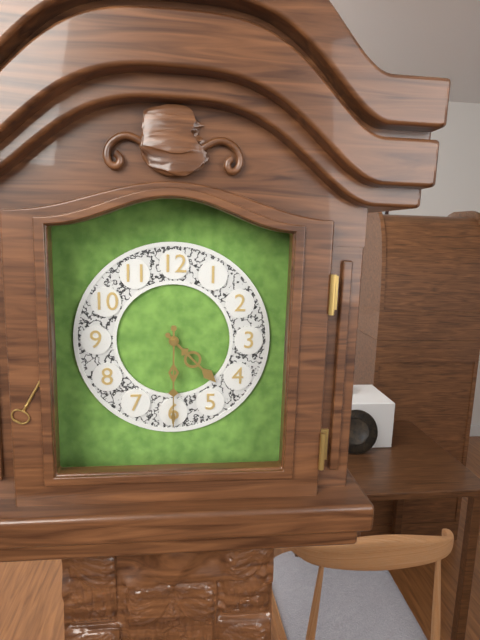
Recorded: 4 h 30 min
